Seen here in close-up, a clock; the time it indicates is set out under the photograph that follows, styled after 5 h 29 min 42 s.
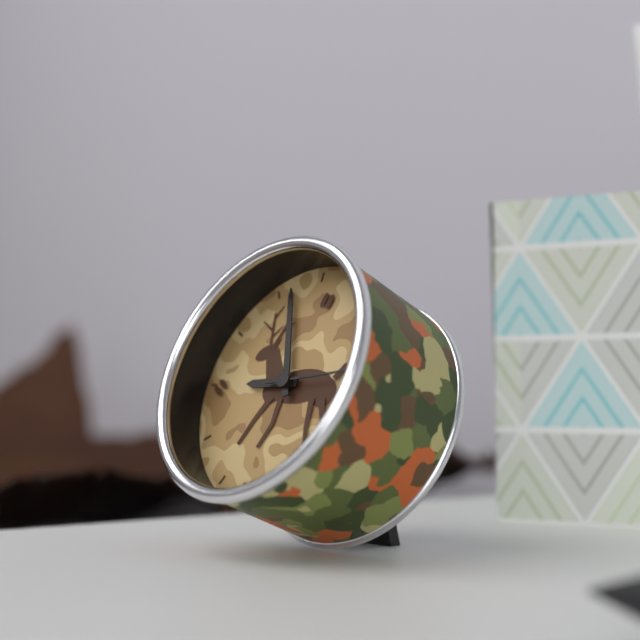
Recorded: 8 h 57 min 14 s
